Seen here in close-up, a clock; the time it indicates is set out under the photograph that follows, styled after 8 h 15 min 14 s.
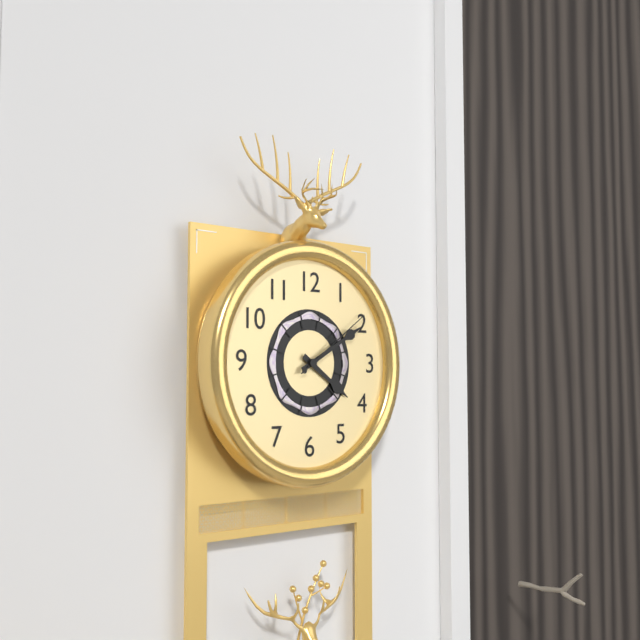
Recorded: 4 h 10 min 09 s
